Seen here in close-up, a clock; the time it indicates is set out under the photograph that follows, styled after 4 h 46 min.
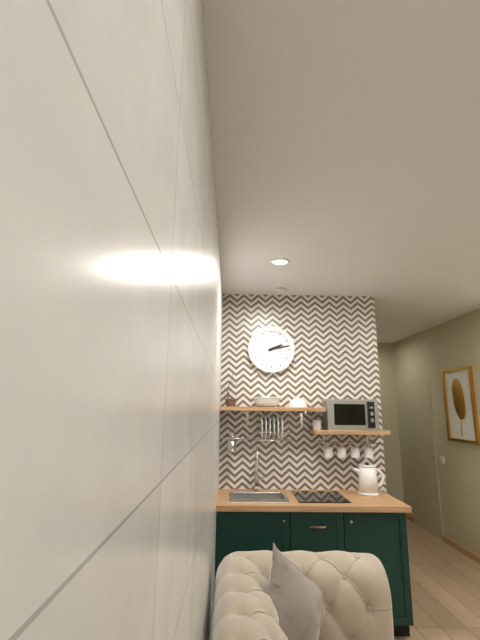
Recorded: 2 h 13 min
